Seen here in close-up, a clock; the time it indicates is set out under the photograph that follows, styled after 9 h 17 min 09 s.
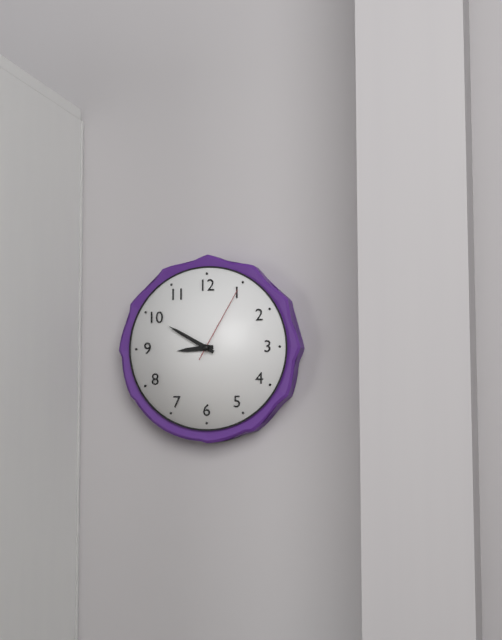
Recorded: 8 h 50 min 05 s
